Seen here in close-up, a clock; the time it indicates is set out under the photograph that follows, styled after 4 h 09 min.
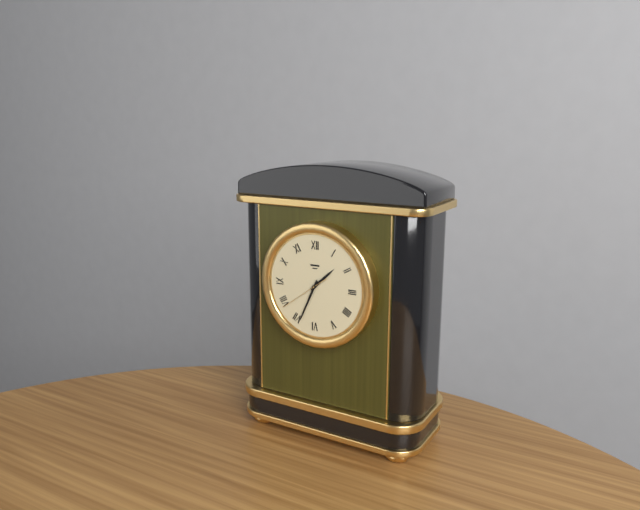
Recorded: 1 h 34 min
